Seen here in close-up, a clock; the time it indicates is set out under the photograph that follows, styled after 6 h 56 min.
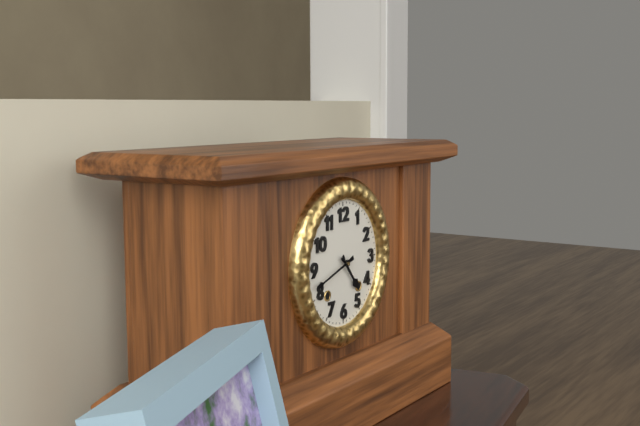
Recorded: 4 h 42 min
